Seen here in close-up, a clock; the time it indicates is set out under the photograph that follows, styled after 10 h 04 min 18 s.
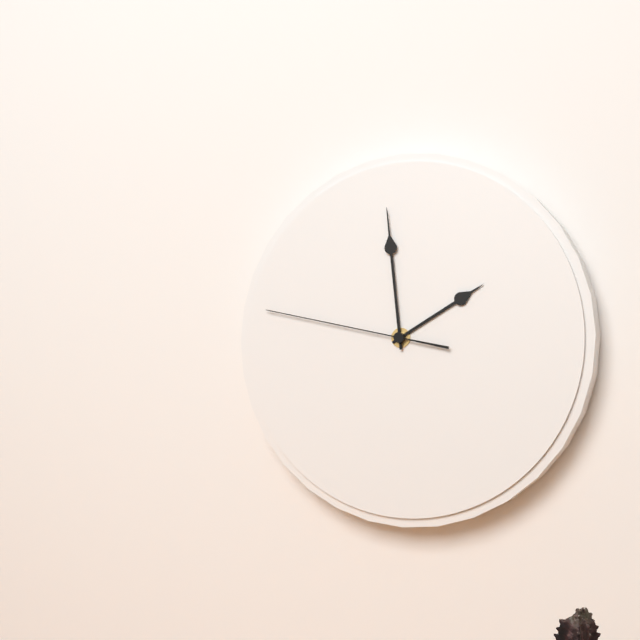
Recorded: 1 h 59 min 47 s
